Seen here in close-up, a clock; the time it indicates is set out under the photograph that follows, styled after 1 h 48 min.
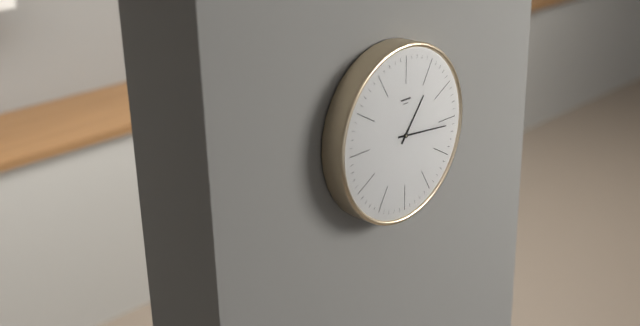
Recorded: 1 h 16 min
